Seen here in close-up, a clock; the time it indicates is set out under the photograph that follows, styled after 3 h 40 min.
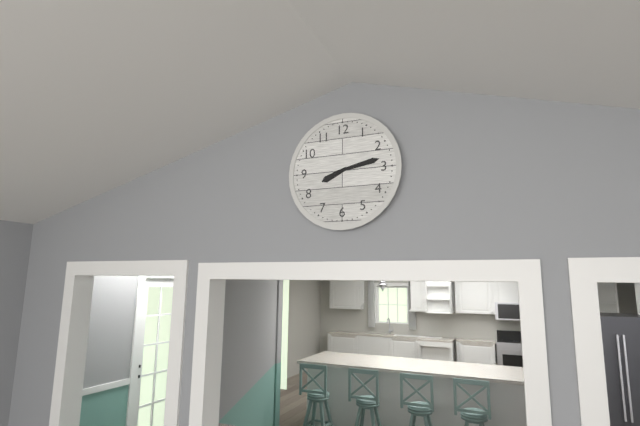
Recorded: 8 h 13 min
